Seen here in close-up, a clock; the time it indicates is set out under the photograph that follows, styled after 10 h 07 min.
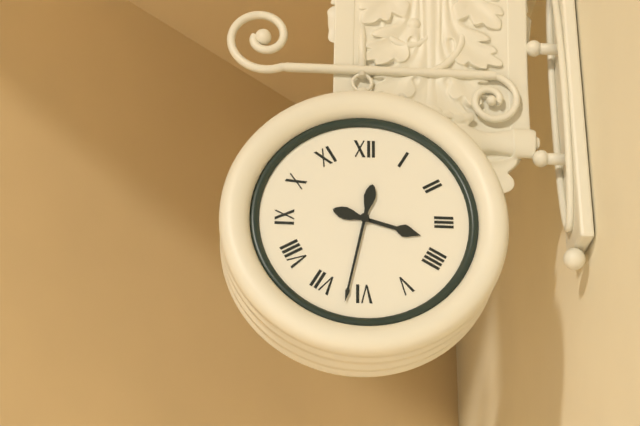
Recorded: 3 h 32 min
